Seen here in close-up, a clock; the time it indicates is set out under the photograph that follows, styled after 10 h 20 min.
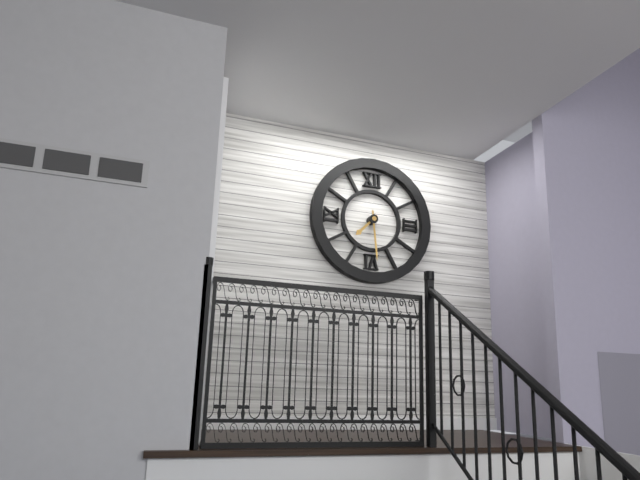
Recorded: 7 h 29 min
